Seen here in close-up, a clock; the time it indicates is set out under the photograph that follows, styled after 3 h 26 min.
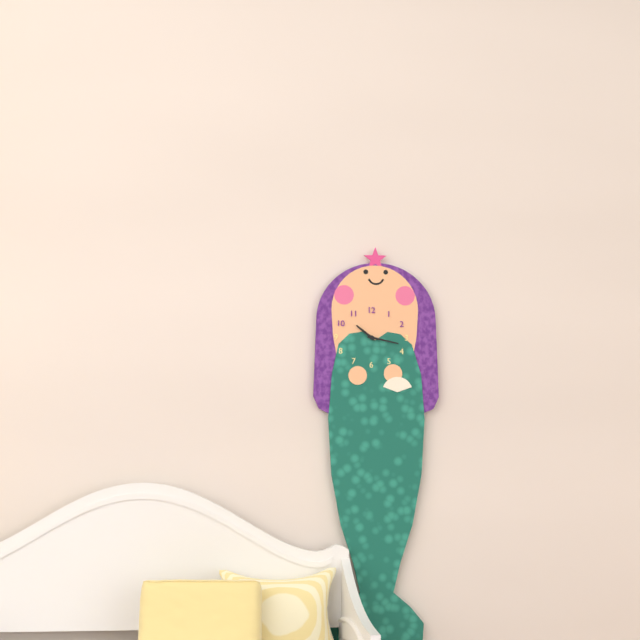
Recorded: 10 h 17 min
